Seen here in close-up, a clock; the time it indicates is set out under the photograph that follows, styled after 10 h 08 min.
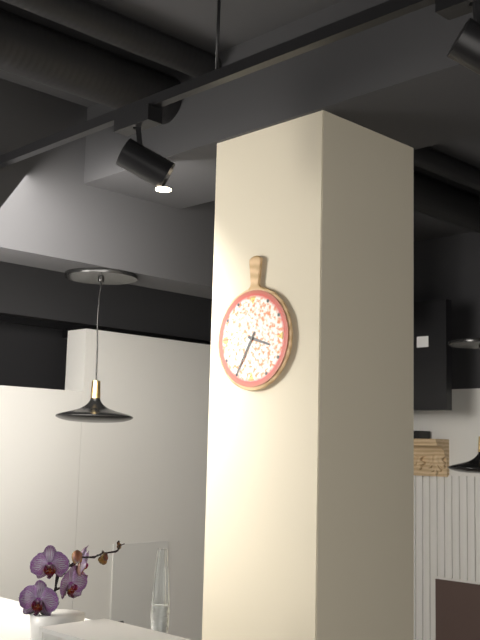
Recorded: 3 h 35 min
